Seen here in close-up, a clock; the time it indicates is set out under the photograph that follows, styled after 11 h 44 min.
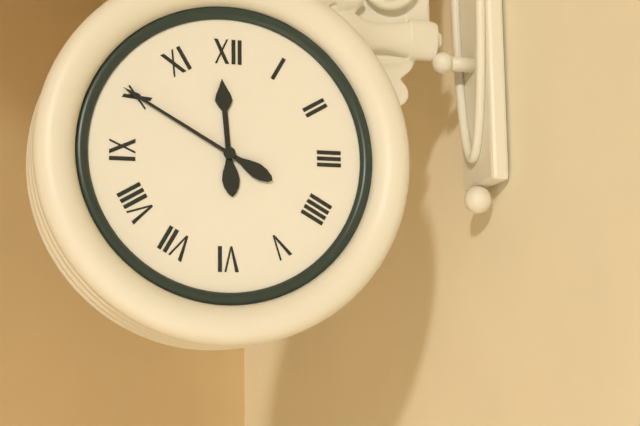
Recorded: 11 h 50 min
